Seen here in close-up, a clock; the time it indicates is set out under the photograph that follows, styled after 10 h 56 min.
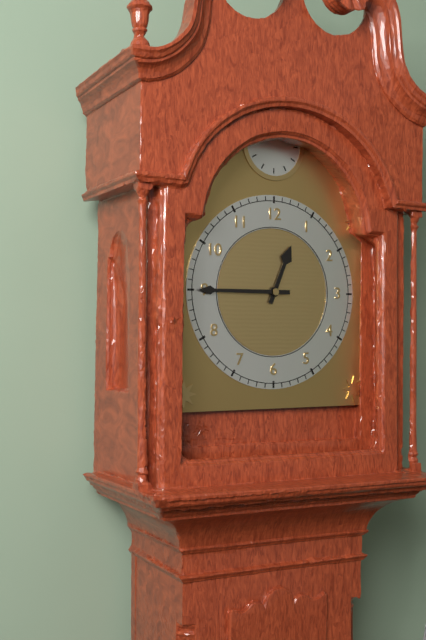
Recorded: 12 h 45 min
